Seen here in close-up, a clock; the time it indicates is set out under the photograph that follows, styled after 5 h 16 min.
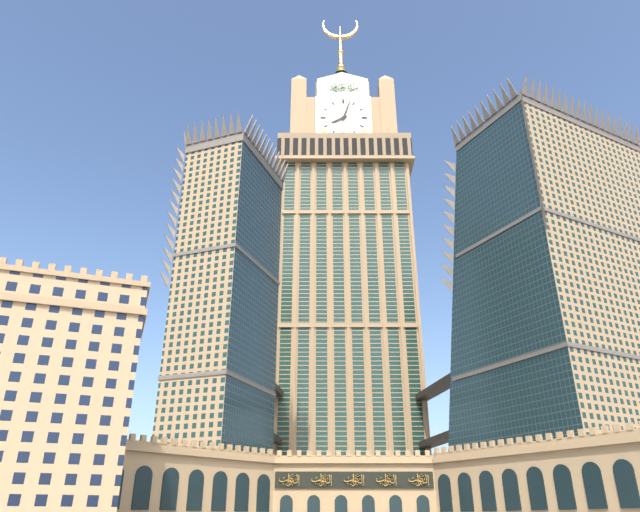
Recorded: 8 h 03 min
